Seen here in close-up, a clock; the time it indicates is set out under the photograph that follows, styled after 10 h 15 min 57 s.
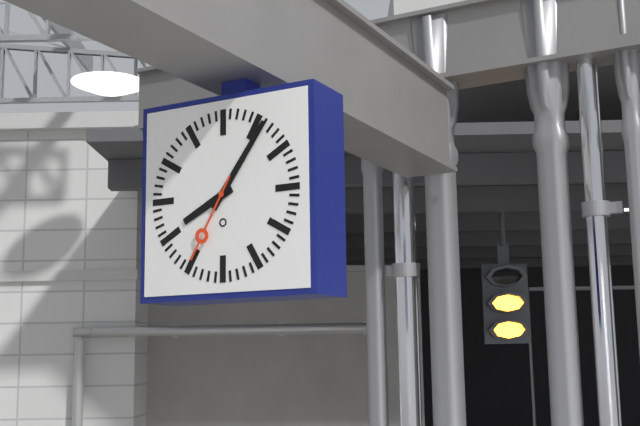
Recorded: 8 h 06 min 35 s
